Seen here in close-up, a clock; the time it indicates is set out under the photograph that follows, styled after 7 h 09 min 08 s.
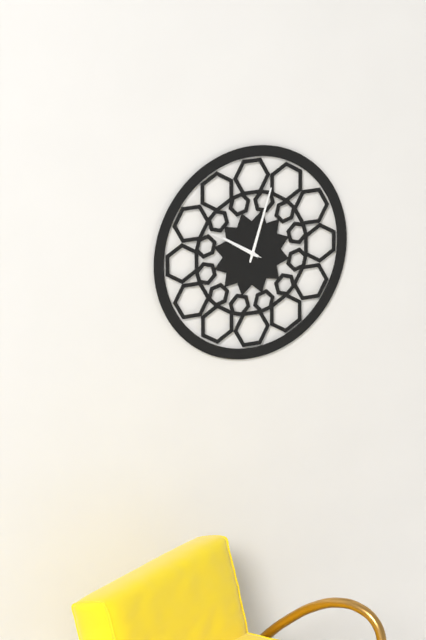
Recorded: 10 h 03 min 50 s
